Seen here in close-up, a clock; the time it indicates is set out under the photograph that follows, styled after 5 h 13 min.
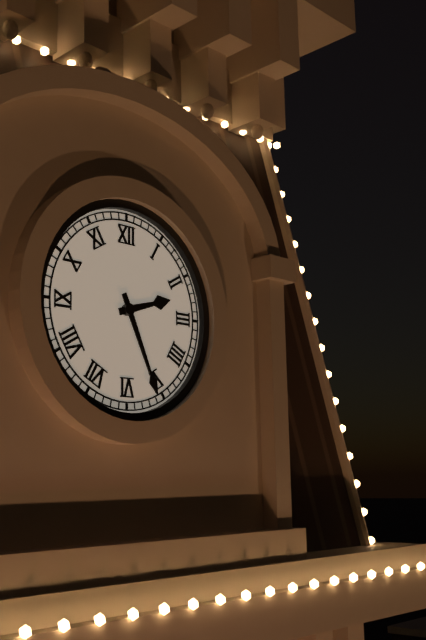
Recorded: 2 h 26 min
